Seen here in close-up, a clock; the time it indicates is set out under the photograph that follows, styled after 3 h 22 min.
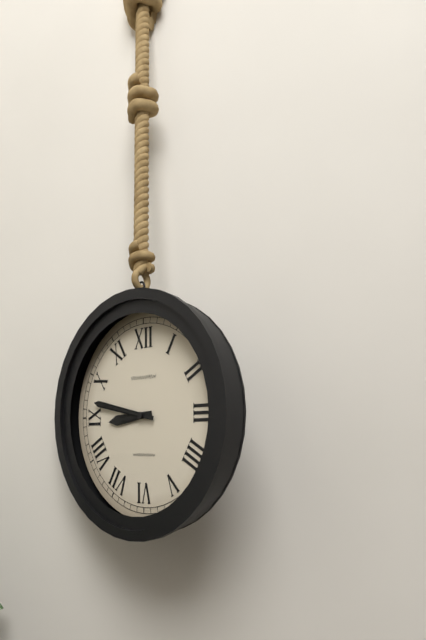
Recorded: 8 h 47 min
